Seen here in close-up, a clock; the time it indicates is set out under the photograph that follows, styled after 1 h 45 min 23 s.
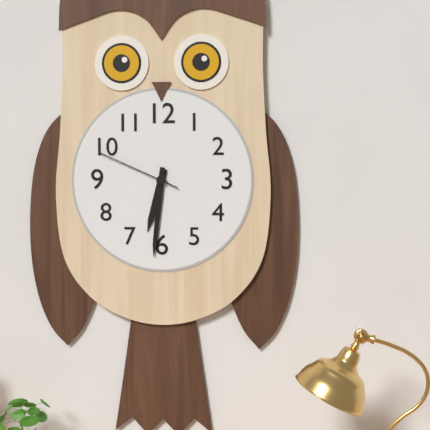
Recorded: 6 h 31 min 49 s
